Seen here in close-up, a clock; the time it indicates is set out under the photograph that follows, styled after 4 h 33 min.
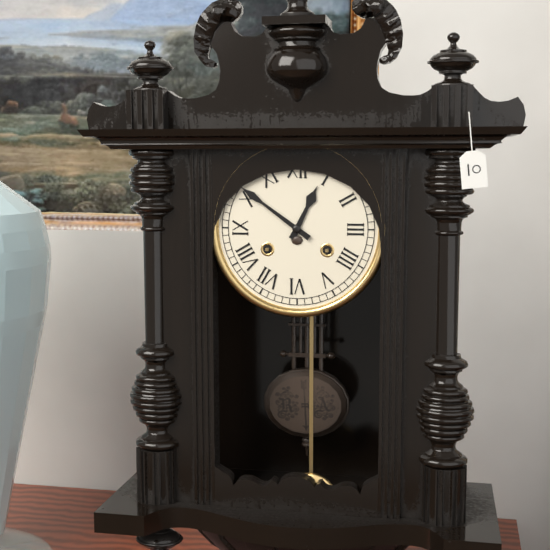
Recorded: 12 h 51 min
